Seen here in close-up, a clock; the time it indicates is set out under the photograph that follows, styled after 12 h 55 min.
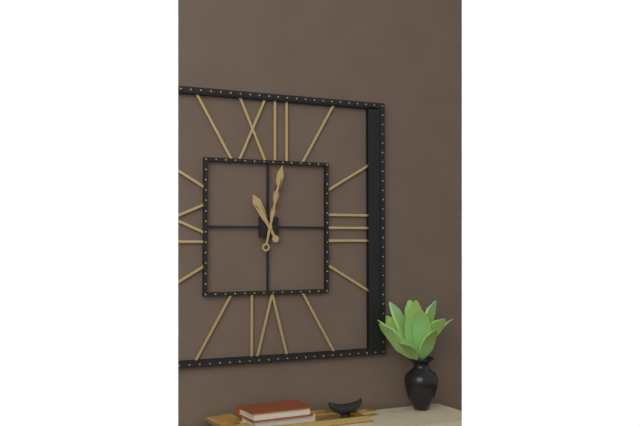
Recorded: 11 h 02 min
